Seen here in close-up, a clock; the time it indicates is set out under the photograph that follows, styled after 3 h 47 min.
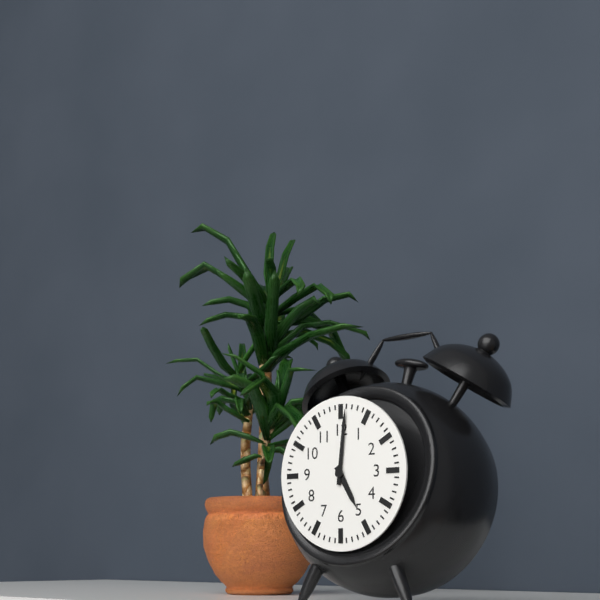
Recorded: 5 h 01 min
